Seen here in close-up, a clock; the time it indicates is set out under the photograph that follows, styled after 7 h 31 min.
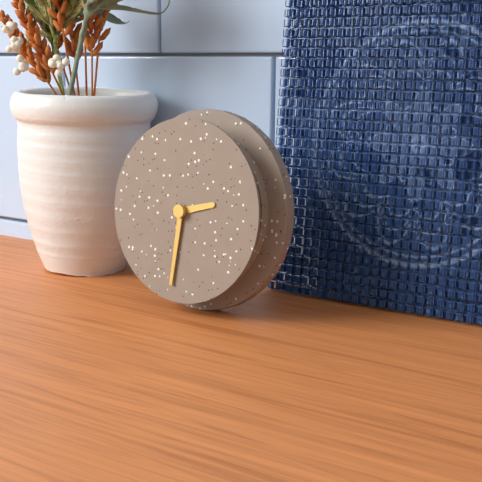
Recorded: 2 h 31 min
